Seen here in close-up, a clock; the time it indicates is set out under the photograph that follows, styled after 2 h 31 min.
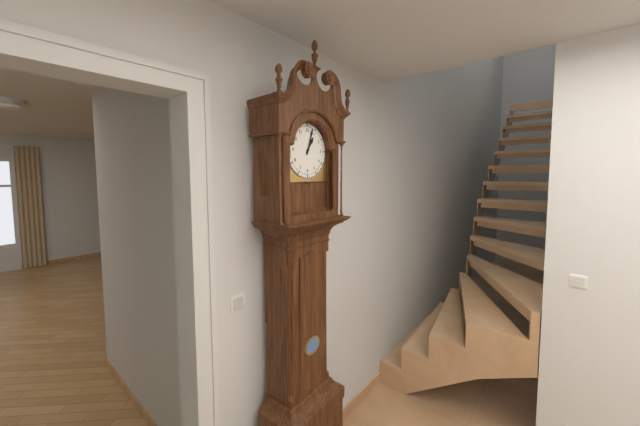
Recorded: 1 h 03 min
